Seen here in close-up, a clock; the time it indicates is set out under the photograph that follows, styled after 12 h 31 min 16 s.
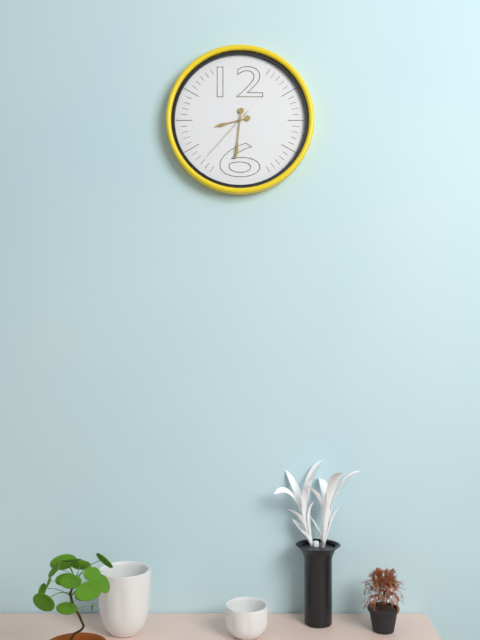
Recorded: 8 h 31 min 37 s
